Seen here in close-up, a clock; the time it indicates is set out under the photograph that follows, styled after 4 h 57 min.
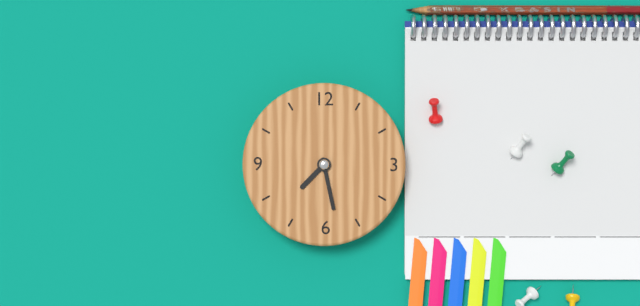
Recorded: 7 h 28 min
